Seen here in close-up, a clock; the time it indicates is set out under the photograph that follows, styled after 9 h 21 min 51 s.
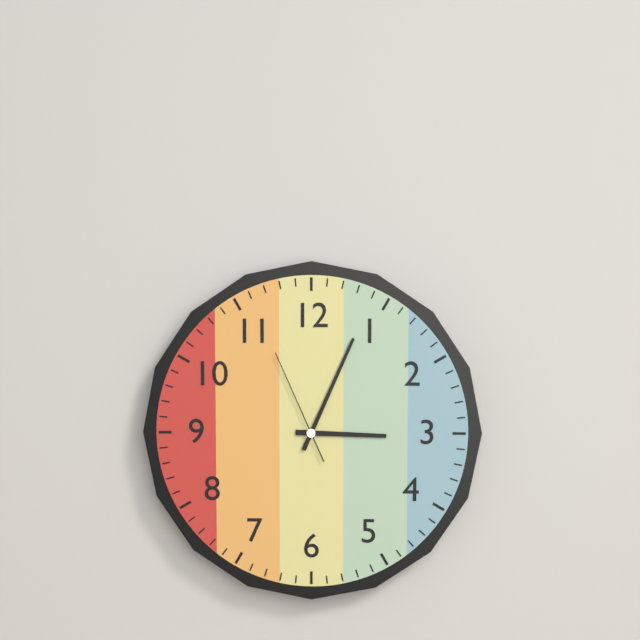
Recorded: 3 h 04 min 56 s
